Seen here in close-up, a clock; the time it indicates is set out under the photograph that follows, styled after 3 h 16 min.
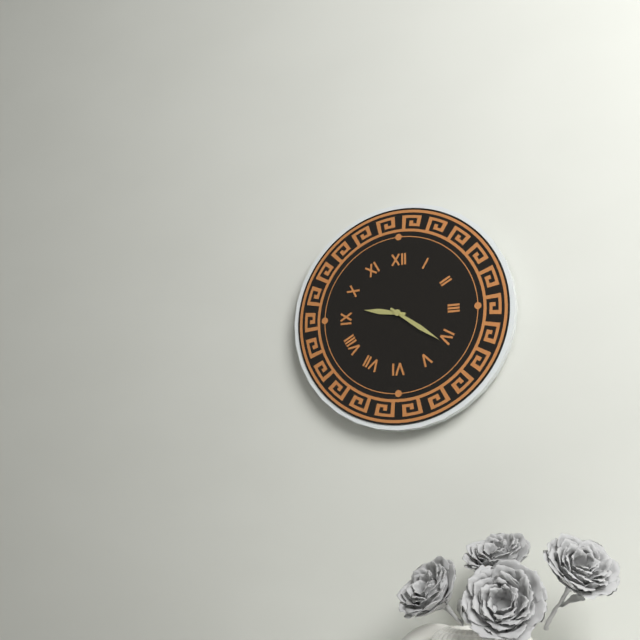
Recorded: 9 h 21 min
